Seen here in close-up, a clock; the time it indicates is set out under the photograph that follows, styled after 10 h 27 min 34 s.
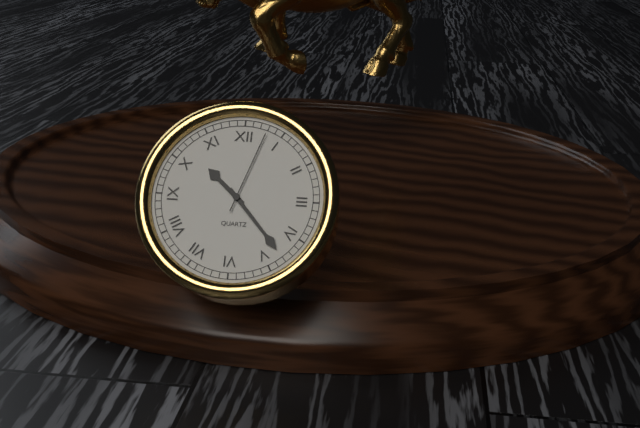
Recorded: 10 h 23 min 03 s
